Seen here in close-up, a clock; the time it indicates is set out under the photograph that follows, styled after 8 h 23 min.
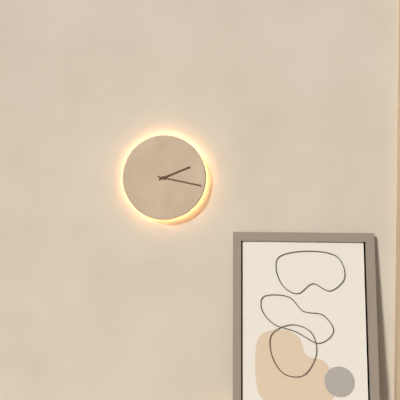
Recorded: 2 h 17 min
